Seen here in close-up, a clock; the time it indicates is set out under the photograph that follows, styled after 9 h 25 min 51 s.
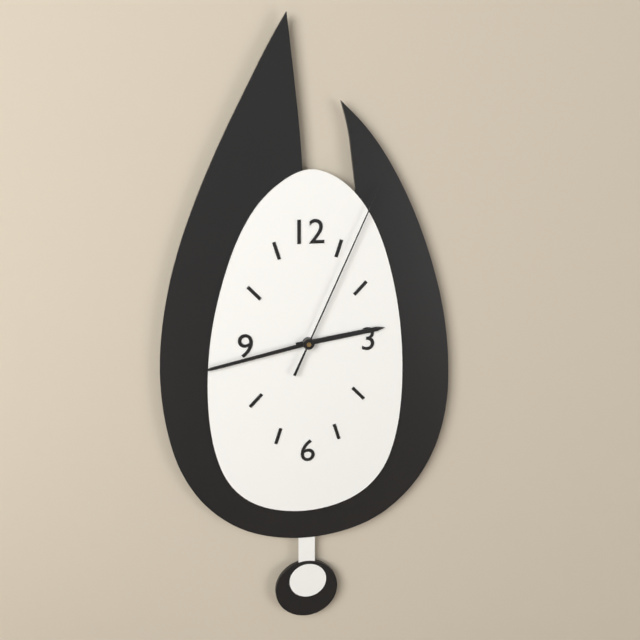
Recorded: 2 h 43 min 04 s
